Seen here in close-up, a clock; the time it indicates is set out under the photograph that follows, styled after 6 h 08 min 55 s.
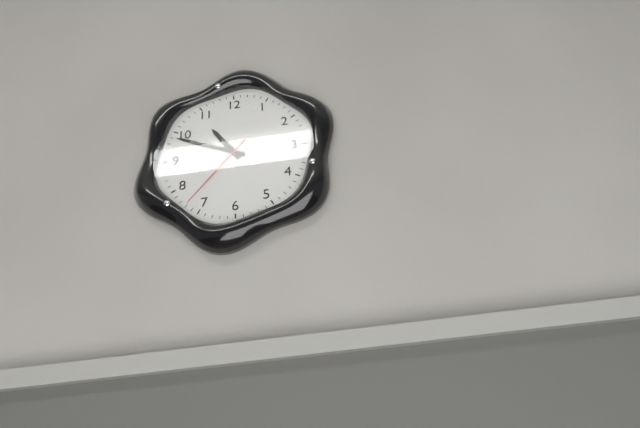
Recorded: 10 h 49 min 37 s
